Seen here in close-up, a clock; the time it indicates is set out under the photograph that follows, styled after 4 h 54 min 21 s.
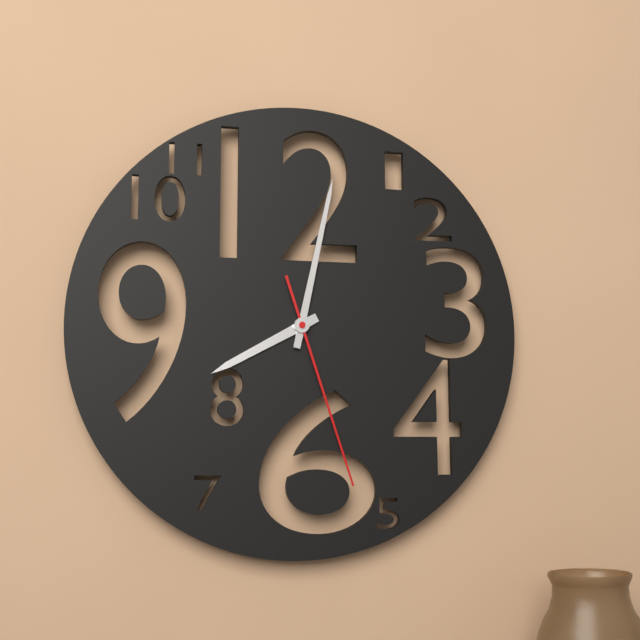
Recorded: 8 h 02 min 27 s
